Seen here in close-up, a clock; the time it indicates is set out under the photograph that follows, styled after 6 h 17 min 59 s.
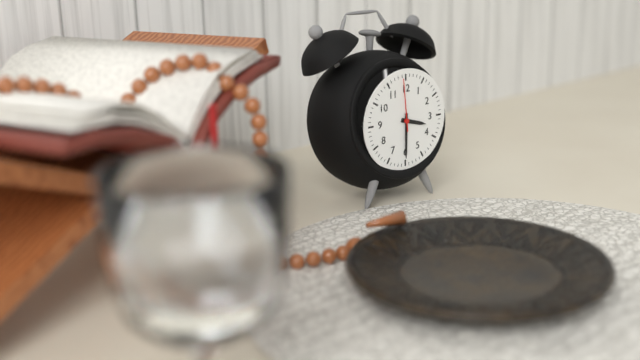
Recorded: 3 h 30 min 59 s
